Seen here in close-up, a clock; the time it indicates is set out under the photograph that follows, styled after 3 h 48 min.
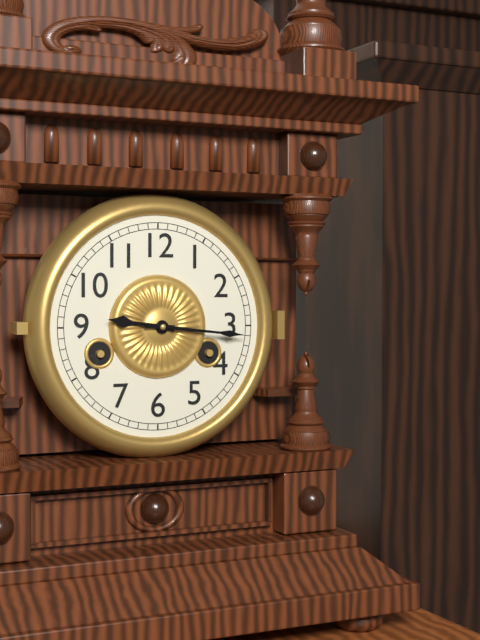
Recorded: 9 h 16 min
